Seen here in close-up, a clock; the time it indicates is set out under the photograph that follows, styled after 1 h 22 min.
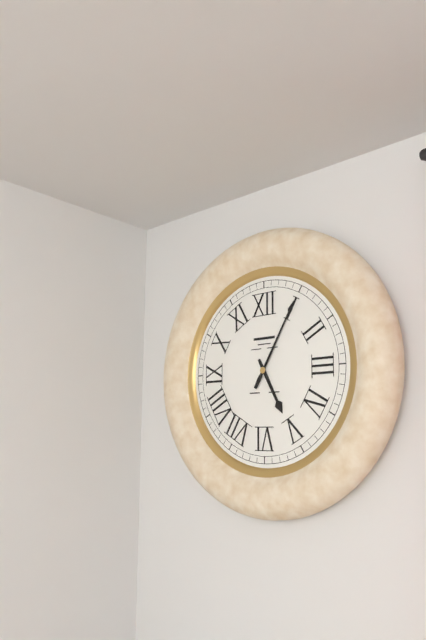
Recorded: 5 h 05 min
